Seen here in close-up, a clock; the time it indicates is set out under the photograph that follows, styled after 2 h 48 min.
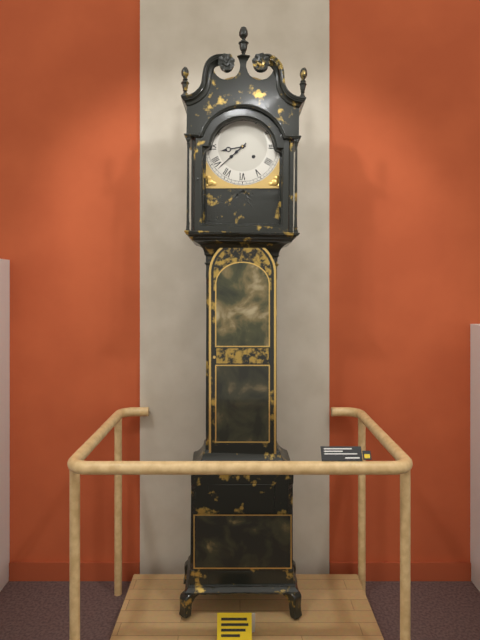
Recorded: 8 h 38 min
